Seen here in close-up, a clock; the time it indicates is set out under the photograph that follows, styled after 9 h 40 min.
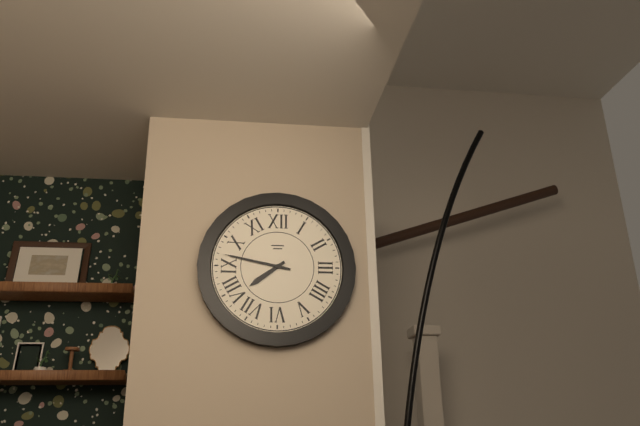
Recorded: 7 h 47 min
